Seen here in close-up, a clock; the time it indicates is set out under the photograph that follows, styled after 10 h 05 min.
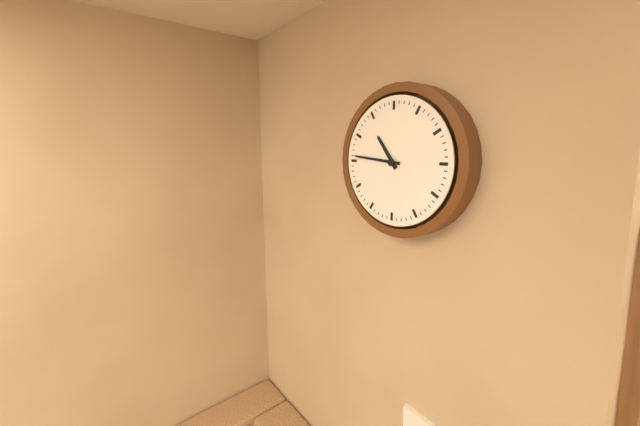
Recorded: 10 h 46 min
